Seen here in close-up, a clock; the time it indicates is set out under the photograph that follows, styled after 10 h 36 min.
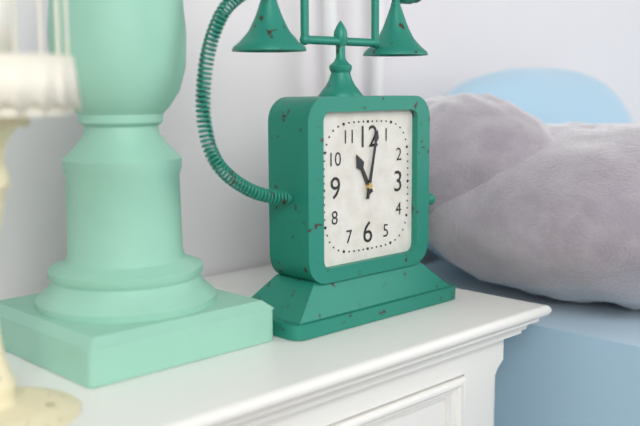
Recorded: 11 h 02 min
